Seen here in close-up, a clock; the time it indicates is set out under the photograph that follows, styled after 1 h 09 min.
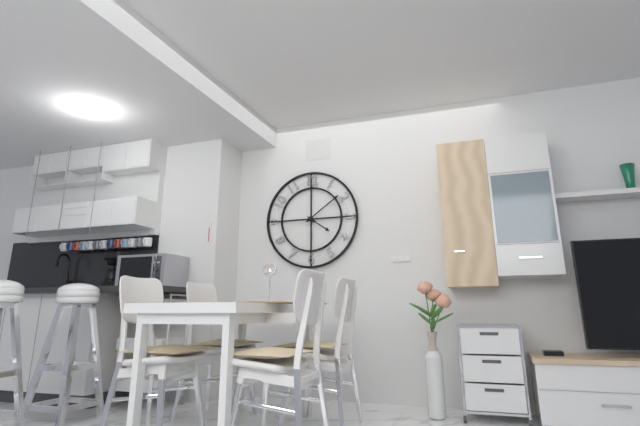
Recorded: 4 h 09 min
